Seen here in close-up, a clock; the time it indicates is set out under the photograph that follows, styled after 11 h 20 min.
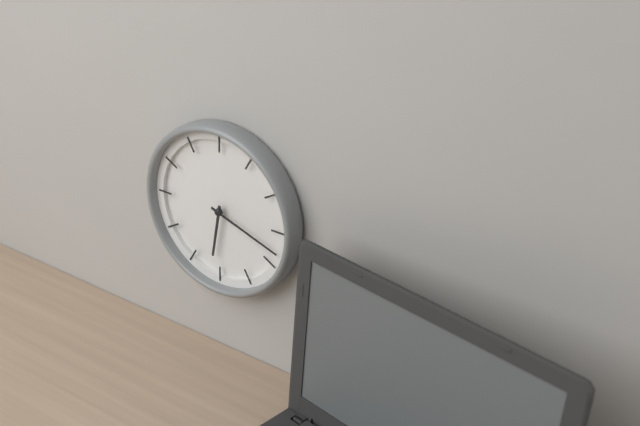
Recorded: 6 h 18 min
